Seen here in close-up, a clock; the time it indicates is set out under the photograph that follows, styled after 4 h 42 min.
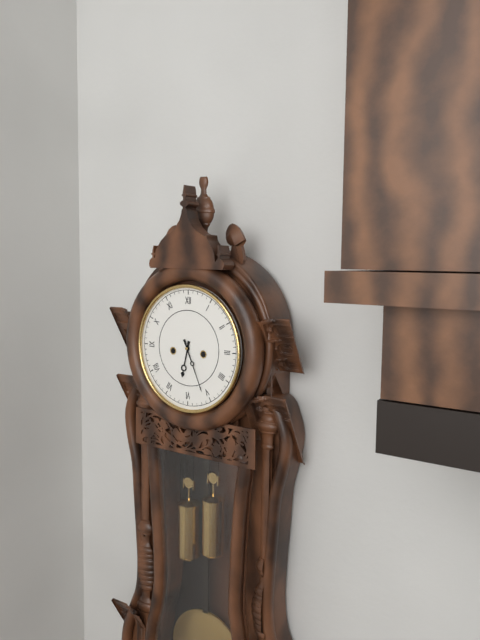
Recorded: 6 h 26 min
